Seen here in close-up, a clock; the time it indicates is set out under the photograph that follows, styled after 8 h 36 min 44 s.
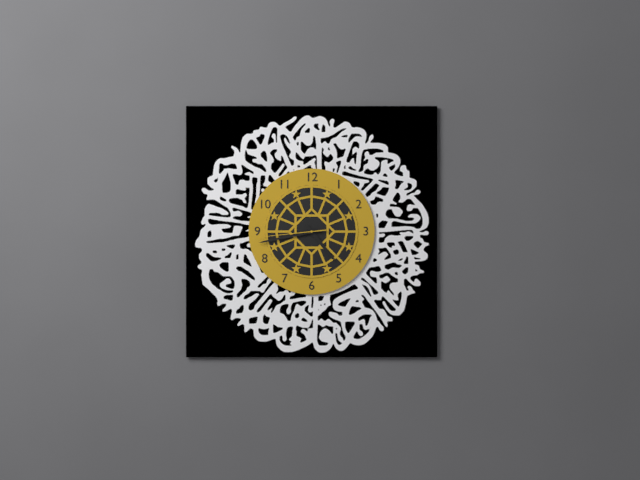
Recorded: 4 h 43 min 44 s
